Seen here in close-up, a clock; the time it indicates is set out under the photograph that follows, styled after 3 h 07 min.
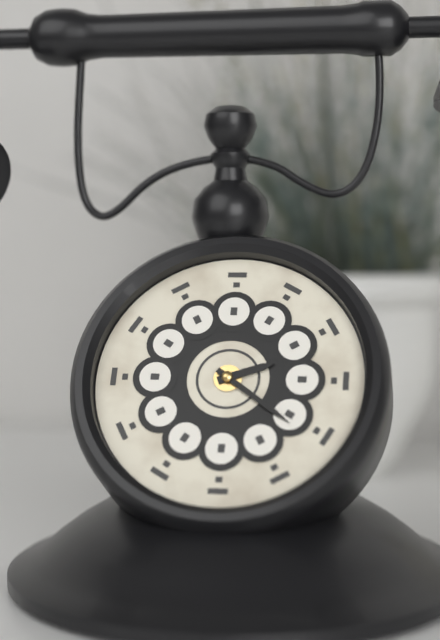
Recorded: 2 h 21 min
